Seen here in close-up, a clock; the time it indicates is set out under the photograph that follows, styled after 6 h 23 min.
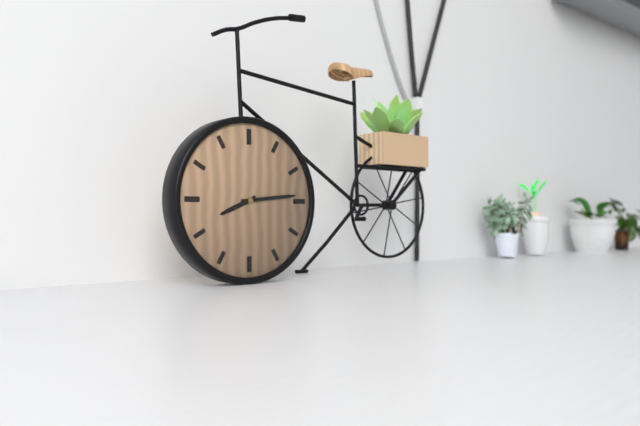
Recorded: 8 h 14 min
